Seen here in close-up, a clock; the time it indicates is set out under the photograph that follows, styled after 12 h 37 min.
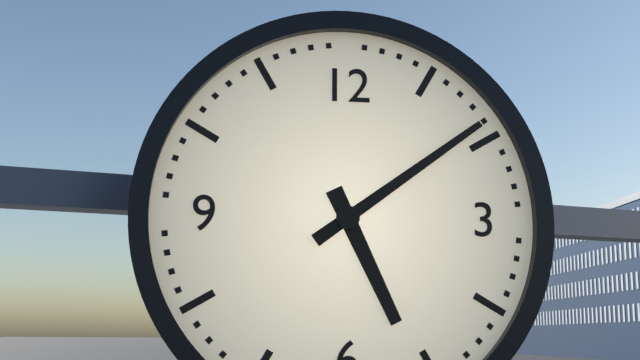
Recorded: 5 h 09 min
